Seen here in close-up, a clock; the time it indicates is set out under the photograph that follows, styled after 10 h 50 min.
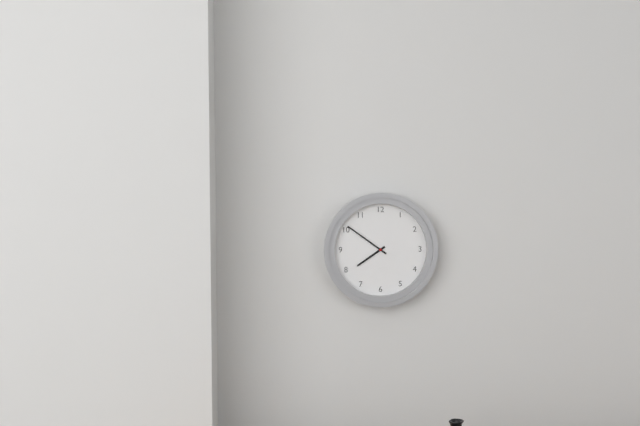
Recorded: 7 h 51 min
